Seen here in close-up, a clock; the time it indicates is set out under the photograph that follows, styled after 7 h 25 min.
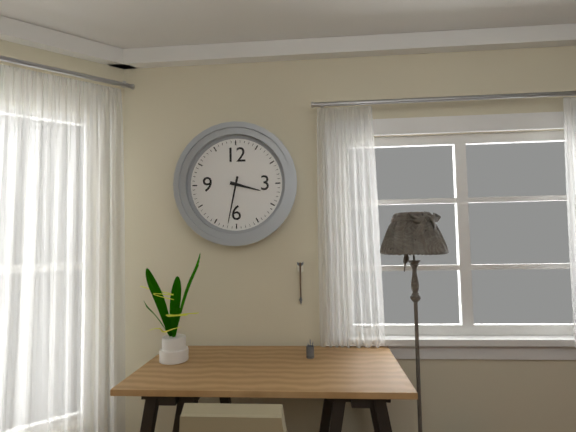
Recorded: 3 h 32 min
